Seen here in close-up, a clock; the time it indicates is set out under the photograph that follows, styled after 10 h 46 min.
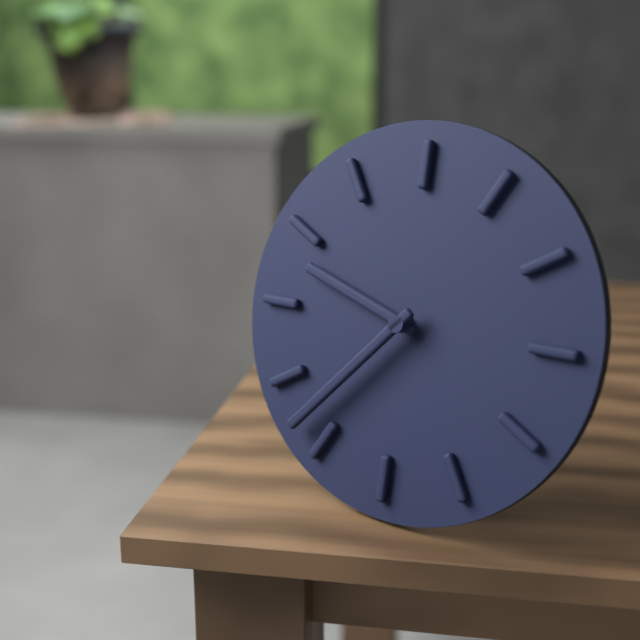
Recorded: 9 h 37 min
